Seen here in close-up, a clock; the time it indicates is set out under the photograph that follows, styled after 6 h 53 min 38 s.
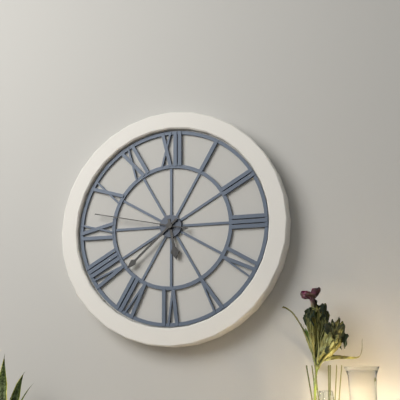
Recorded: 5 h 38 min 47 s
